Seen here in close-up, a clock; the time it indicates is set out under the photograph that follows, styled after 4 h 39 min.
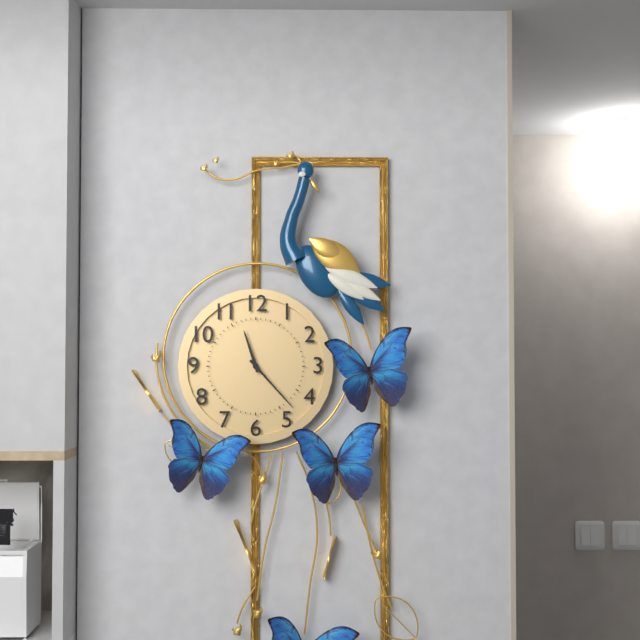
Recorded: 11 h 23 min
